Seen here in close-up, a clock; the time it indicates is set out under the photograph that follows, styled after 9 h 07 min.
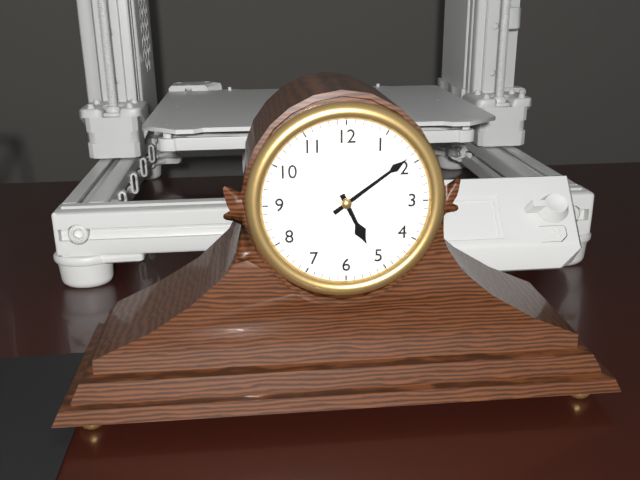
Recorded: 5 h 09 min
